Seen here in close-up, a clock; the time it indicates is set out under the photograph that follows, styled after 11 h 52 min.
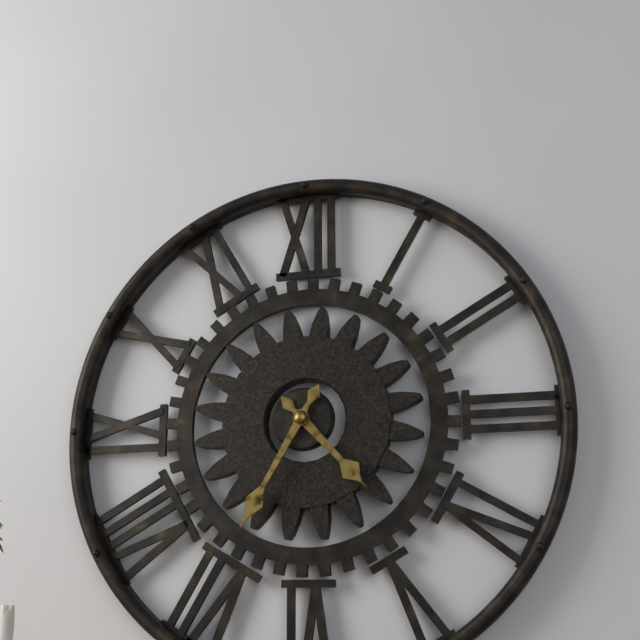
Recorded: 4 h 35 min
